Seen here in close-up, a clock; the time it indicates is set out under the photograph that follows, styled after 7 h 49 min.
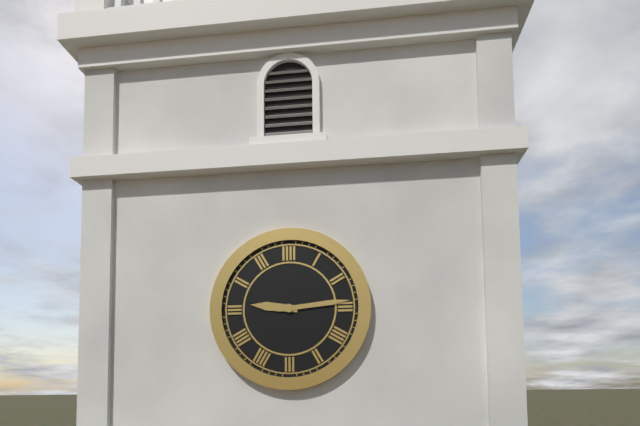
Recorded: 9 h 14 min
